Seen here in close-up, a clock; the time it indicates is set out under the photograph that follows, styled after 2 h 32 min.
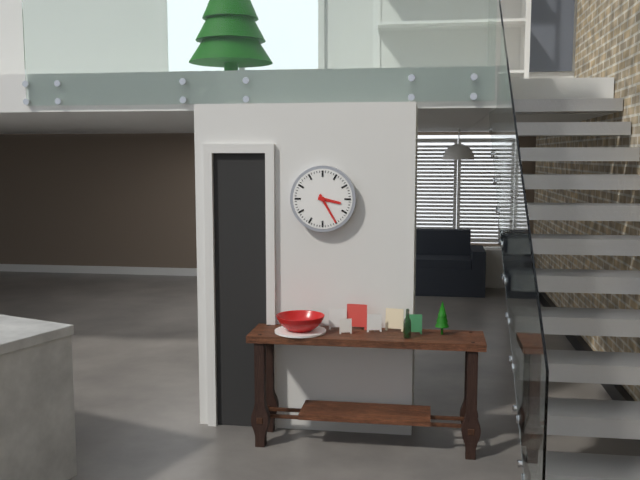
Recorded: 3 h 25 min
